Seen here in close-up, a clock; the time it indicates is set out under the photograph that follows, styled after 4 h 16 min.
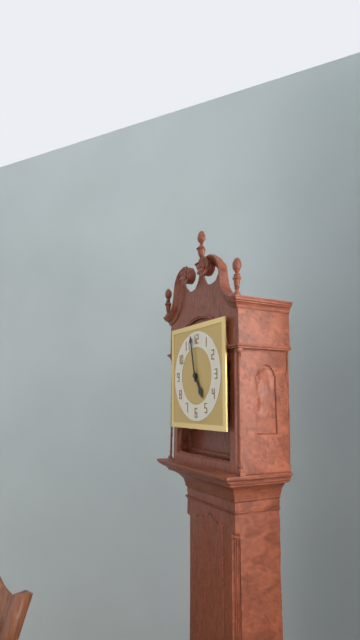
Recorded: 4 h 58 min
